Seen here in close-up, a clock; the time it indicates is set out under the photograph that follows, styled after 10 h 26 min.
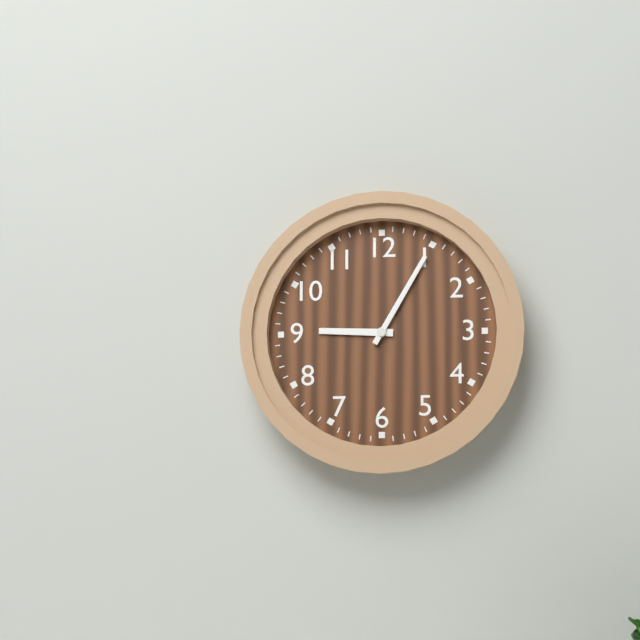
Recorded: 9 h 05 min
